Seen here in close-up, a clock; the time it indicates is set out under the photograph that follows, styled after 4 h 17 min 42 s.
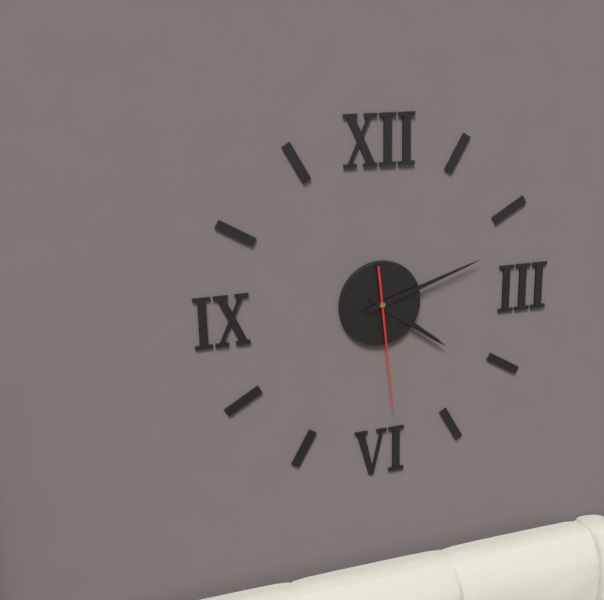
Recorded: 4 h 12 min 29 s
